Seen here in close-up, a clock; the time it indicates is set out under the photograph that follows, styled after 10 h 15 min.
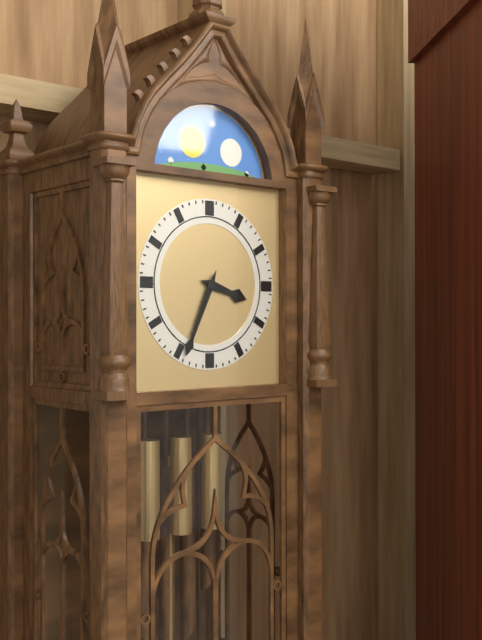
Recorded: 3 h 34 min
